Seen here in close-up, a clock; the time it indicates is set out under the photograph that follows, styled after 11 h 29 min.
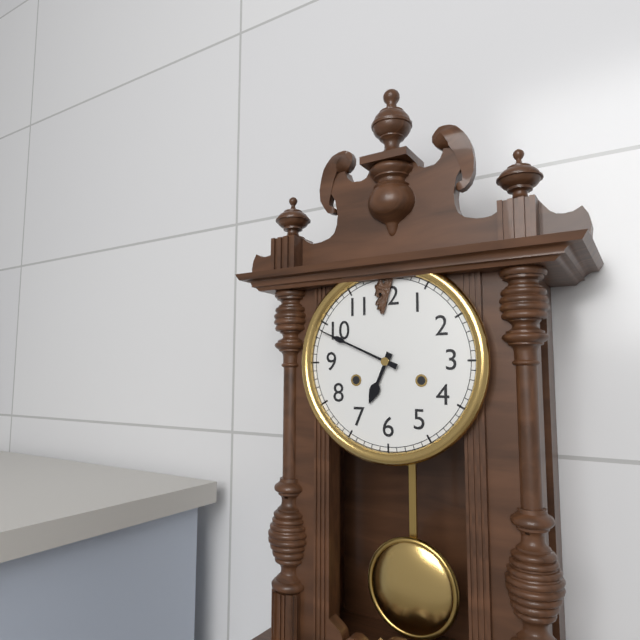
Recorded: 6 h 49 min
